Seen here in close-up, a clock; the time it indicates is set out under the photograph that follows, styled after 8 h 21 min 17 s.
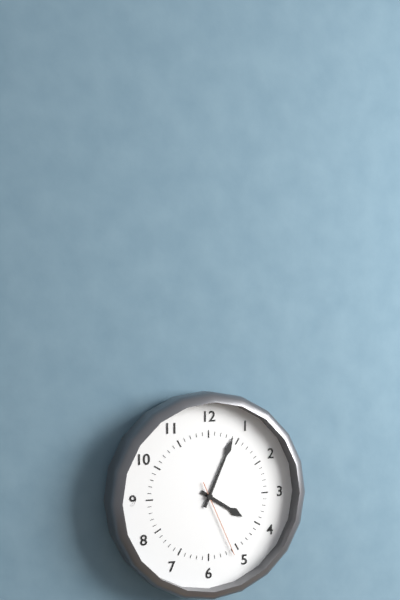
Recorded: 4 h 04 min 26 s
